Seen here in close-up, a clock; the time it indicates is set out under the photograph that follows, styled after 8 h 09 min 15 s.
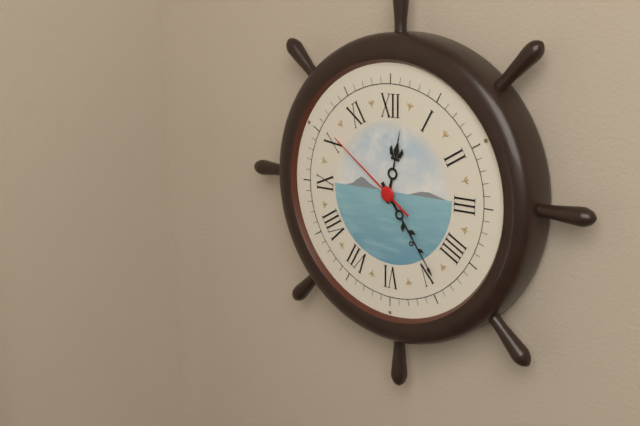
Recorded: 12 h 24 min 51 s
